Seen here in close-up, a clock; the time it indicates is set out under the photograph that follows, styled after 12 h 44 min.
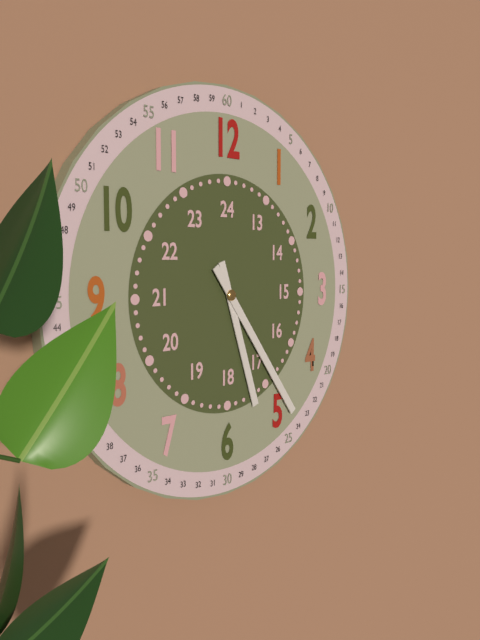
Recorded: 5 h 24 min
